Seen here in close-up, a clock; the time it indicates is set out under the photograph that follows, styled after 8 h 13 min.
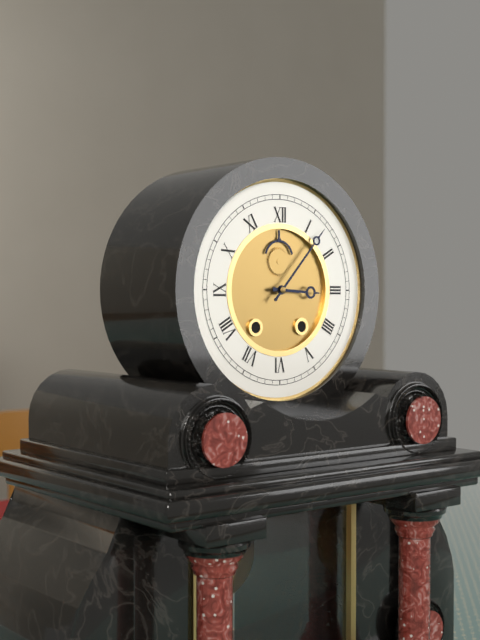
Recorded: 3 h 07 min
